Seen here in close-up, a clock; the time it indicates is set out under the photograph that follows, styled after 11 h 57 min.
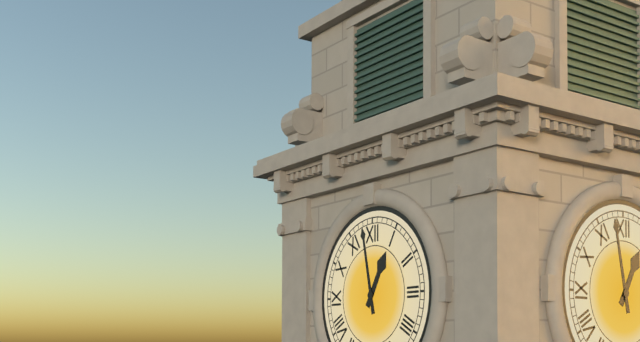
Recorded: 12 h 58 min
